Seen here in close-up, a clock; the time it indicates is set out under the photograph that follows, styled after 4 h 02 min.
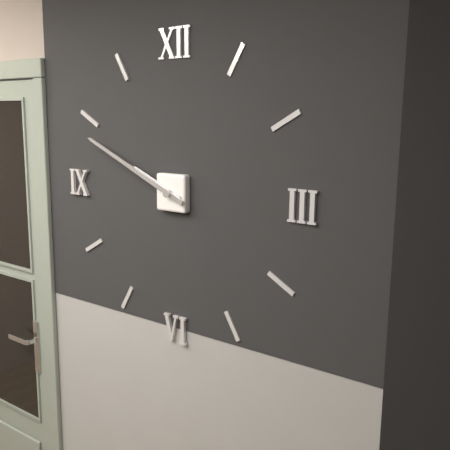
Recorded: 9 h 49 min
